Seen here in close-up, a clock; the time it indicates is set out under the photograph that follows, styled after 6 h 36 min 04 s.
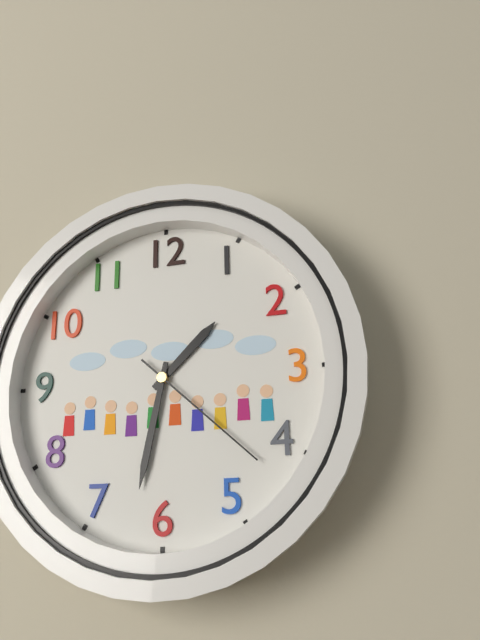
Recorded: 1 h 32 min 22 s
